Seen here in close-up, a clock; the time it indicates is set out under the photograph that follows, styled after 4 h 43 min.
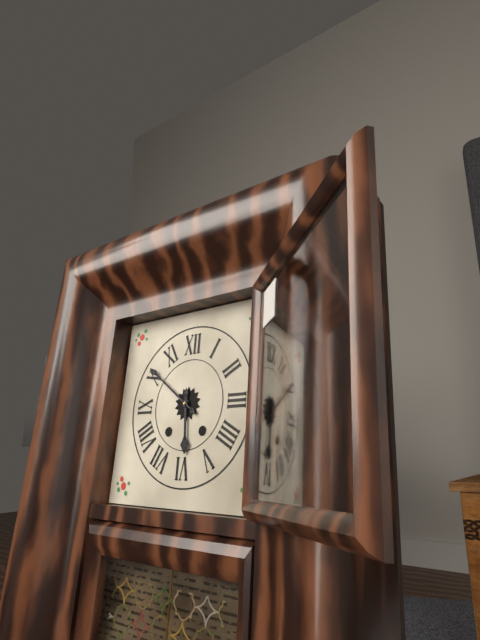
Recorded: 5 h 51 min
